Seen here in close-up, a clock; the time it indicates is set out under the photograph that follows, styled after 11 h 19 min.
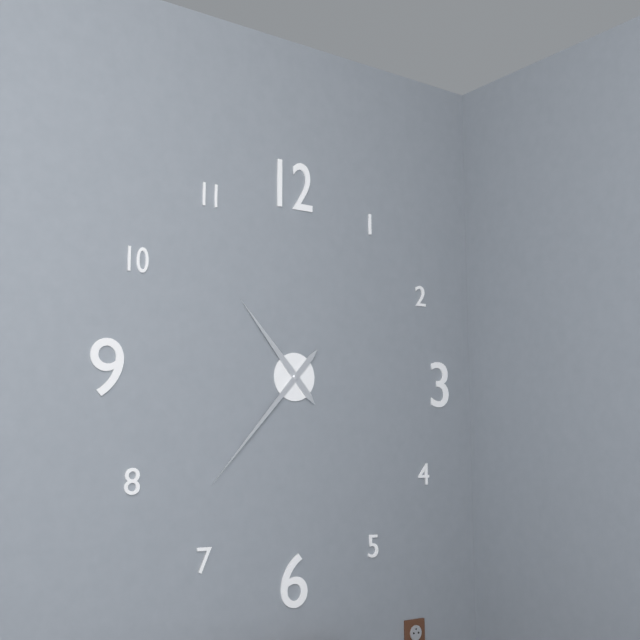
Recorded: 10 h 37 min
